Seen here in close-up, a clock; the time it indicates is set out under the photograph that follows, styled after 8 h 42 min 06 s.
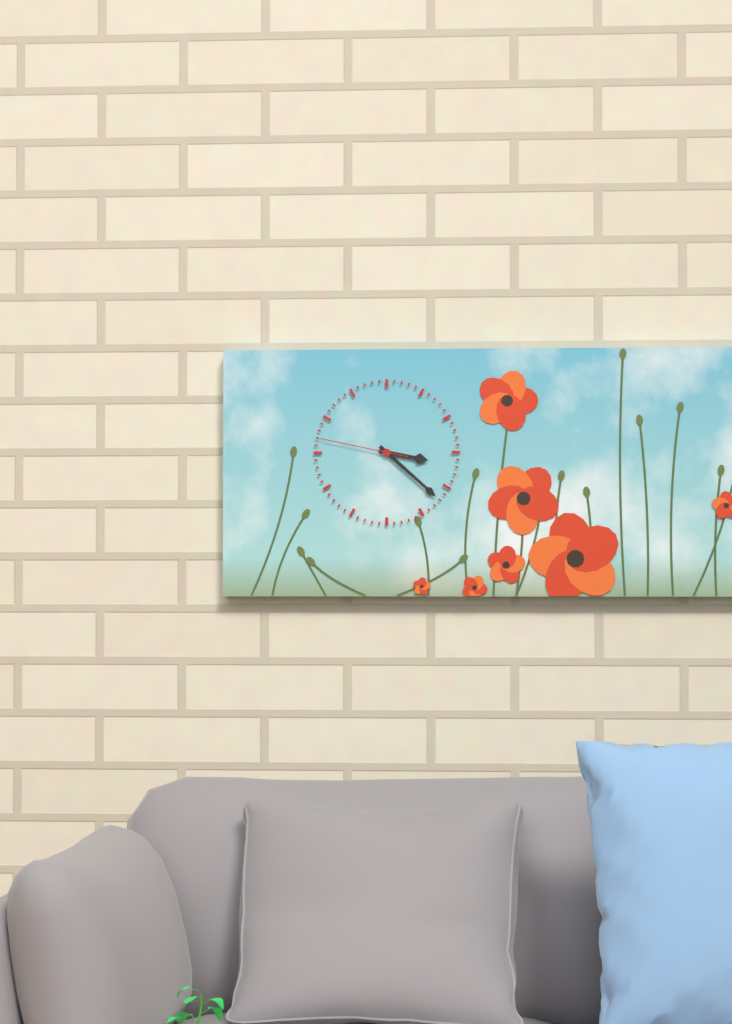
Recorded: 3 h 22 min 47 s
